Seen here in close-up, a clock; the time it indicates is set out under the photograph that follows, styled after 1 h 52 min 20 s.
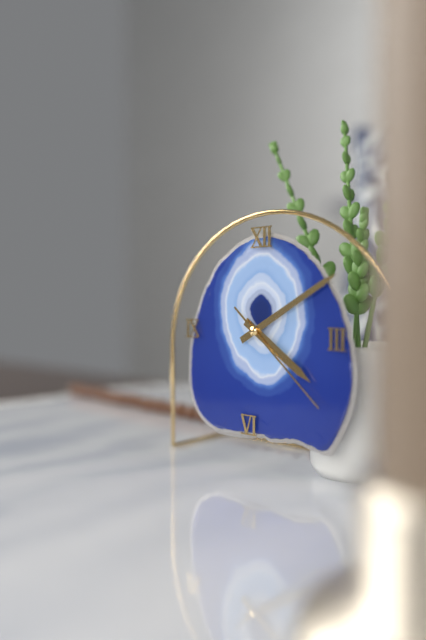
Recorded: 4 h 10 min 22 s
